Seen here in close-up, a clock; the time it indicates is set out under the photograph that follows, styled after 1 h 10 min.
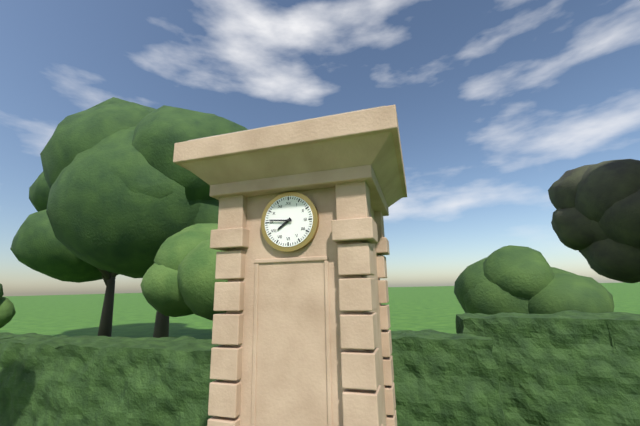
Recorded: 7 h 46 min
